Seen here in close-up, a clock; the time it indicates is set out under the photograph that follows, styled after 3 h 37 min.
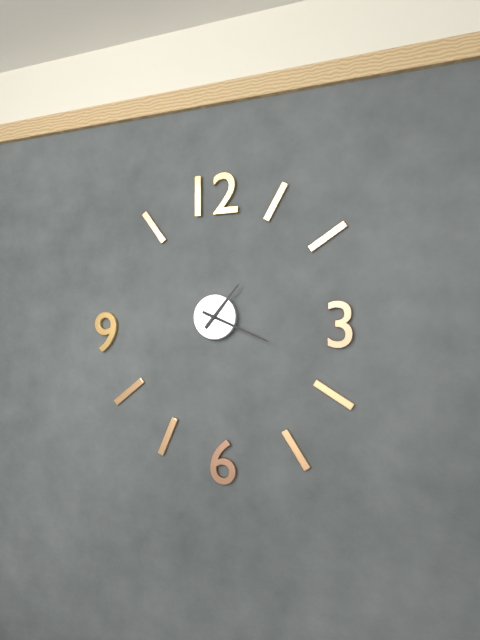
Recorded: 1 h 19 min
